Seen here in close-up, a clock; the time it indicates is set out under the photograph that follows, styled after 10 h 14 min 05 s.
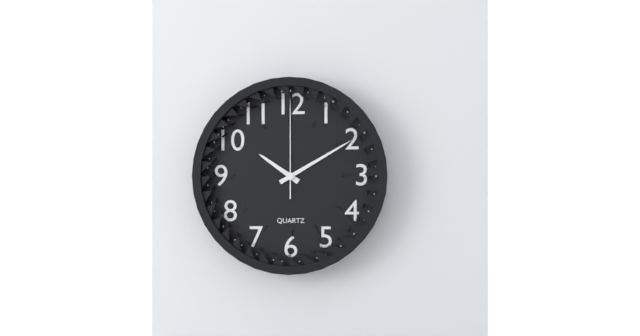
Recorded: 10 h 10 min 00 s
